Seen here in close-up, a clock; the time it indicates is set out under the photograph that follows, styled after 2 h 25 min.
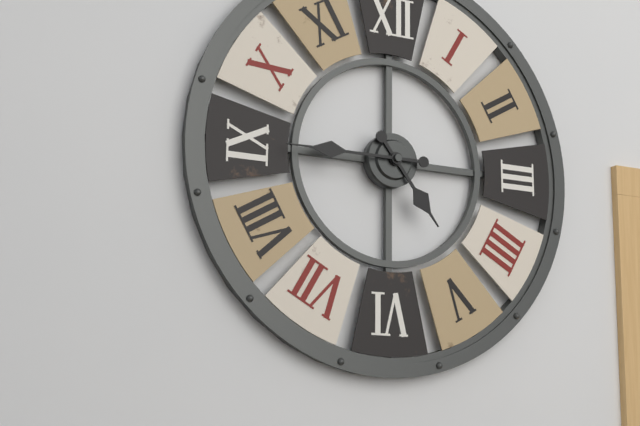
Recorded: 4 h 45 min
